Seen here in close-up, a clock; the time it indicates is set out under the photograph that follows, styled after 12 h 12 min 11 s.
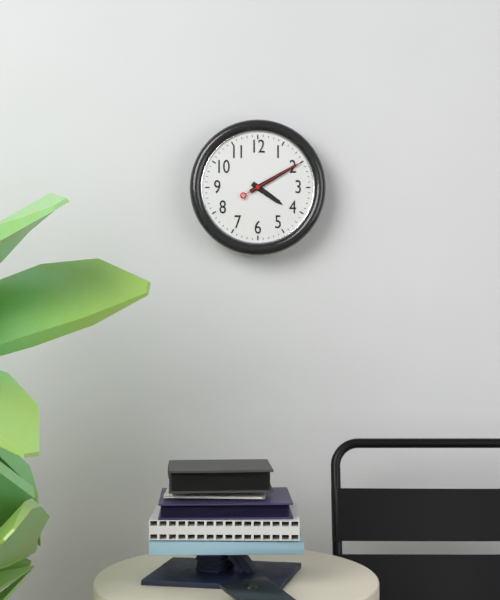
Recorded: 4 h 10 min 10 s
